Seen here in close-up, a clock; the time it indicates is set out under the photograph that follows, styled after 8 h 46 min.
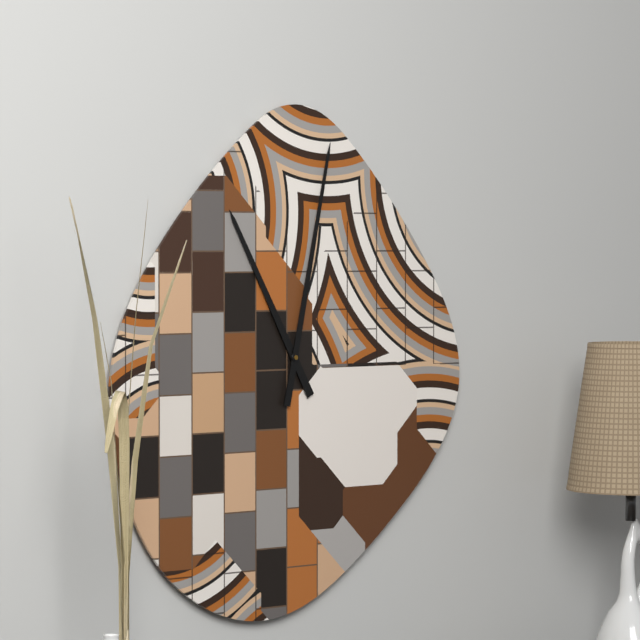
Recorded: 11 h 02 min
